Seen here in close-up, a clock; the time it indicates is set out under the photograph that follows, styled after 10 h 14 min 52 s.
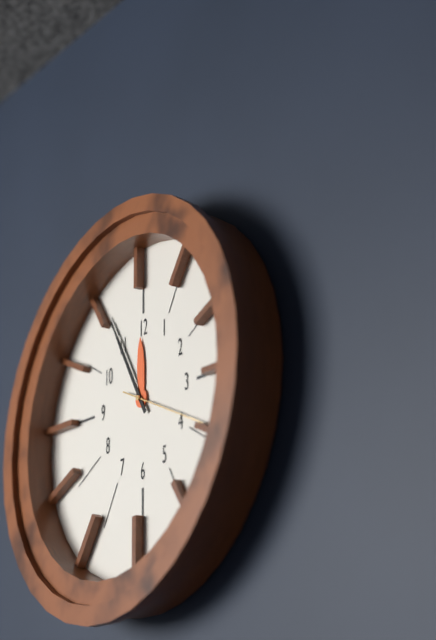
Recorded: 11 h 55 min 19 s
